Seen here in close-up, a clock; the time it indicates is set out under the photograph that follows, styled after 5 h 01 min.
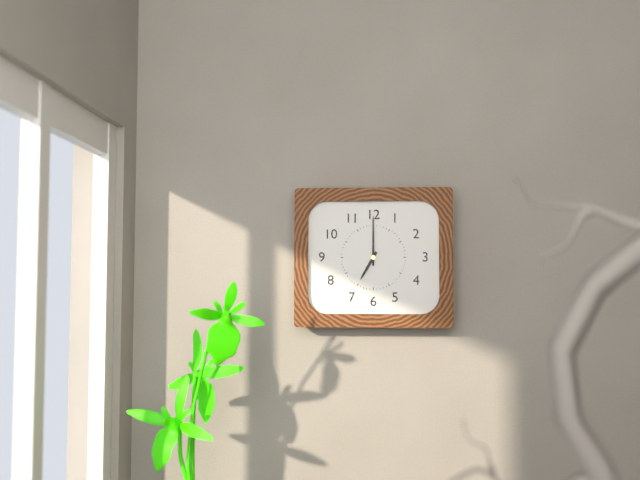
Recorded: 7 h 00 min
